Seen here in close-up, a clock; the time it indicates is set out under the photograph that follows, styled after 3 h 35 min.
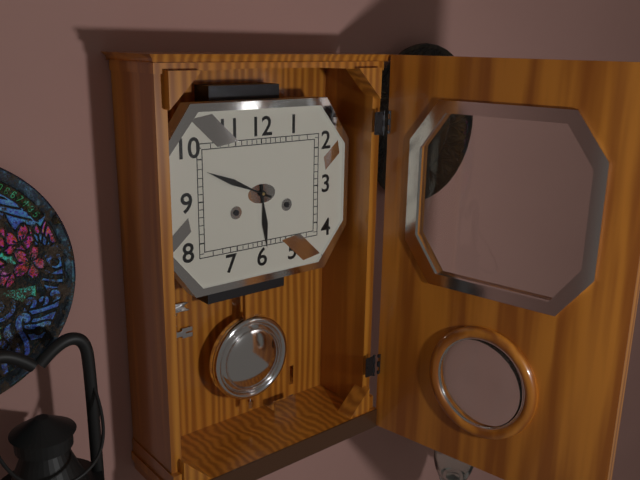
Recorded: 5 h 49 min
